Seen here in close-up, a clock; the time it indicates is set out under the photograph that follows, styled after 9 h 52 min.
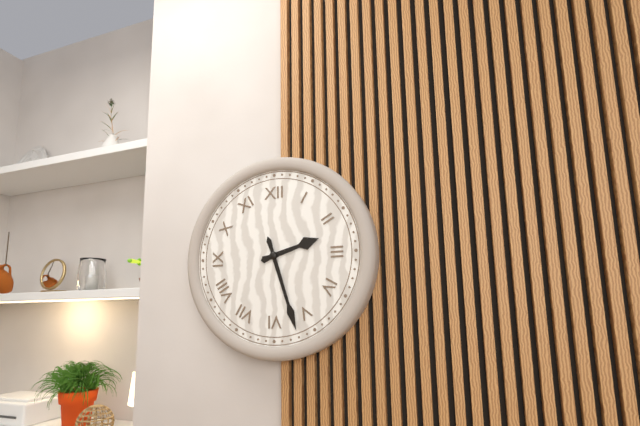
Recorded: 2 h 27 min
